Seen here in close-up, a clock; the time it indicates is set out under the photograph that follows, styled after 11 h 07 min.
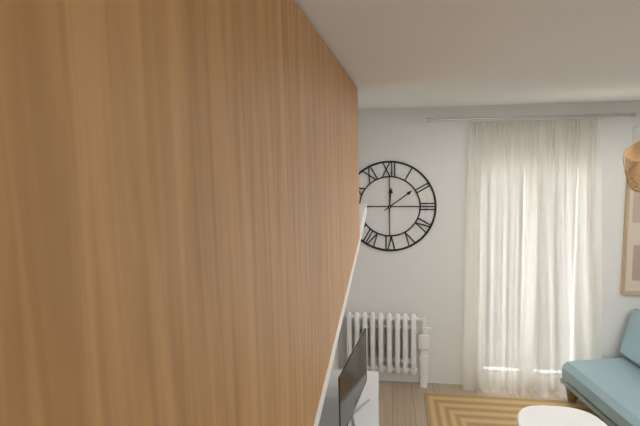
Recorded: 12 h 09 min
